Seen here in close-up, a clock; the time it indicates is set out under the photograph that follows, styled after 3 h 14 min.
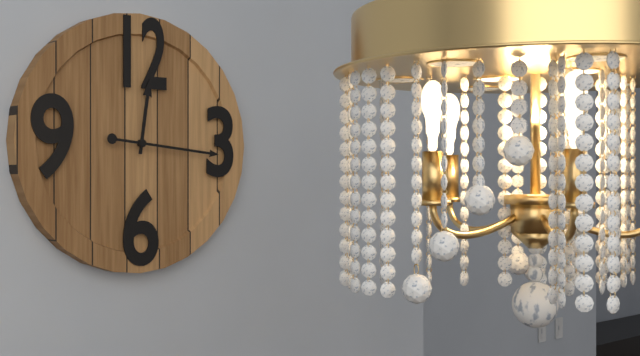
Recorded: 12 h 16 min
